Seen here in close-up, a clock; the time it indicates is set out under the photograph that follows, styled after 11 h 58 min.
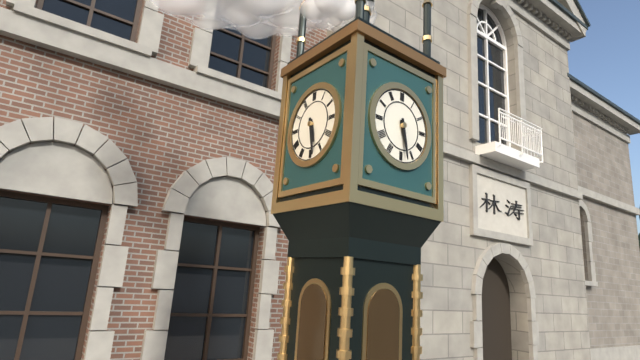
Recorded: 5 h 28 min
